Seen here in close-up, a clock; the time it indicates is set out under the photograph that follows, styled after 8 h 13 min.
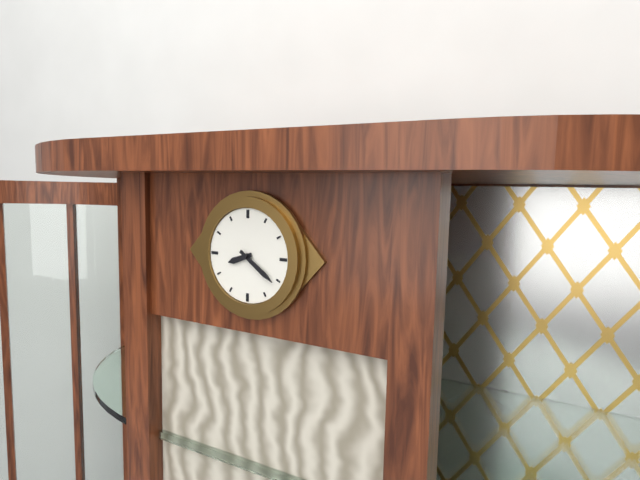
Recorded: 8 h 21 min
